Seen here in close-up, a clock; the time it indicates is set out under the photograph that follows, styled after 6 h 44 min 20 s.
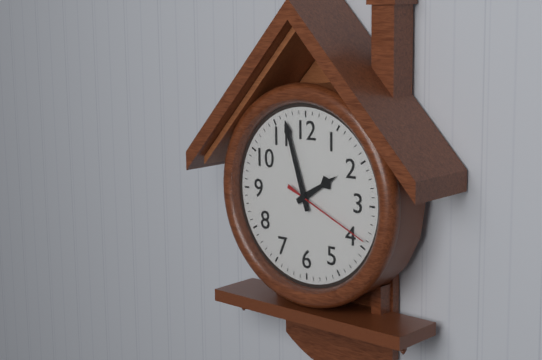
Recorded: 1 h 57 min 19 s
